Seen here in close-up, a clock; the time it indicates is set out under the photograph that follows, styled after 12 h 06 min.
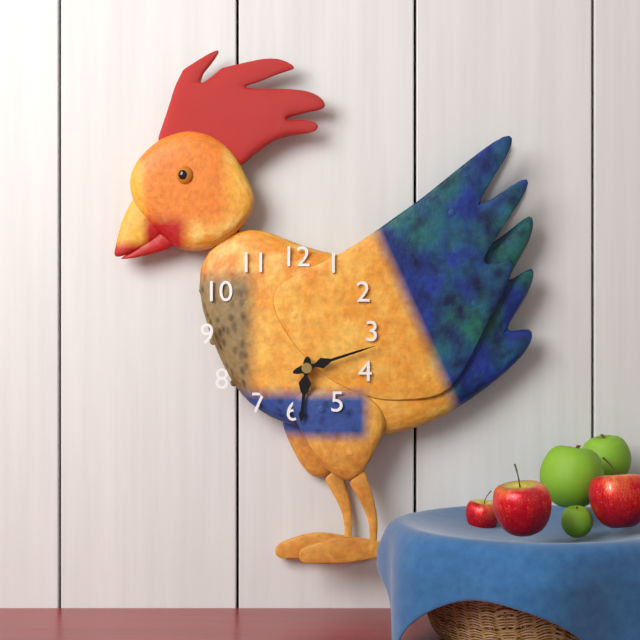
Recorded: 6 h 12 min
